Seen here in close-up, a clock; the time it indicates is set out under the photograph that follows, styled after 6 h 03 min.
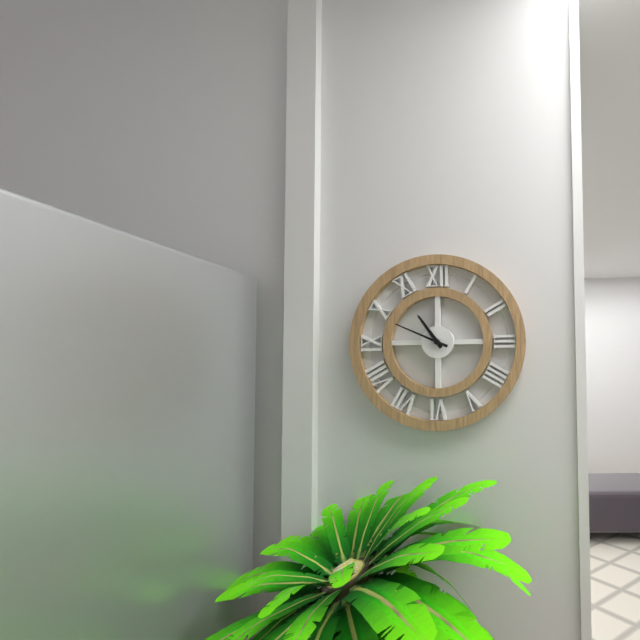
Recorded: 10 h 49 min
